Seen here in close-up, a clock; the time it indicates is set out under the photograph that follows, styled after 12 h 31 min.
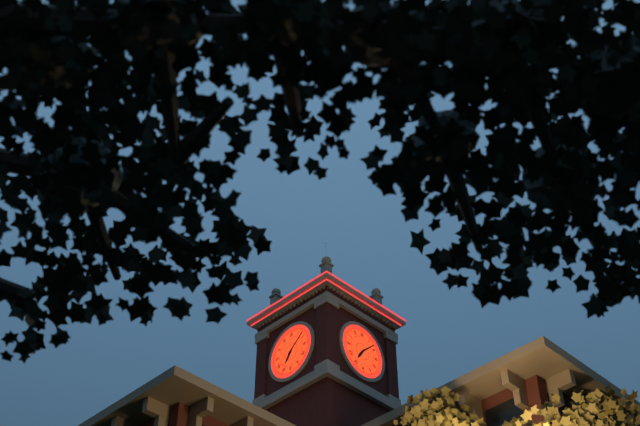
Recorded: 7 h 08 min
